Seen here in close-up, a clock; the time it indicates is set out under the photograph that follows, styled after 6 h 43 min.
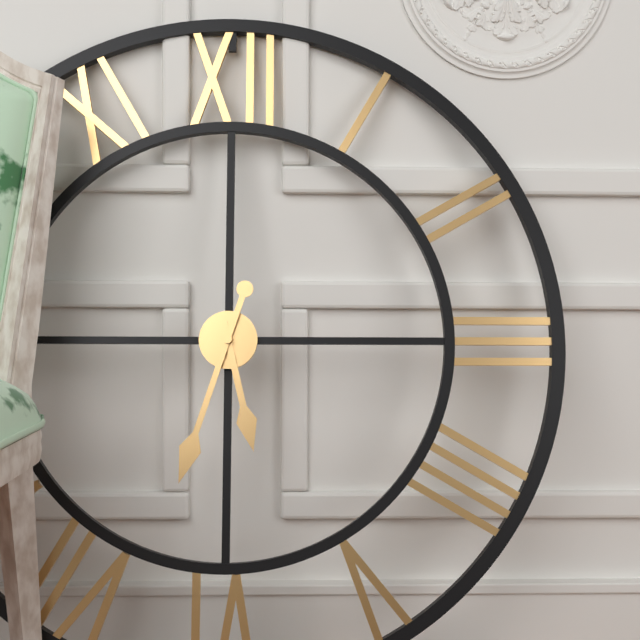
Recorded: 5 h 33 min
